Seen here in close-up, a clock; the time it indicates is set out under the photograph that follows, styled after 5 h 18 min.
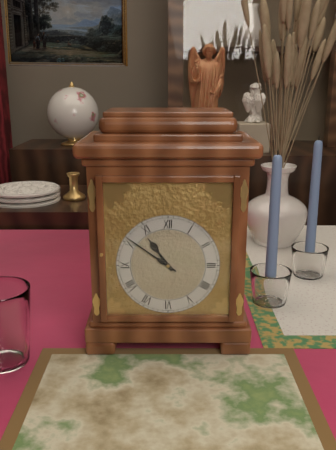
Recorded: 10 h 51 min
